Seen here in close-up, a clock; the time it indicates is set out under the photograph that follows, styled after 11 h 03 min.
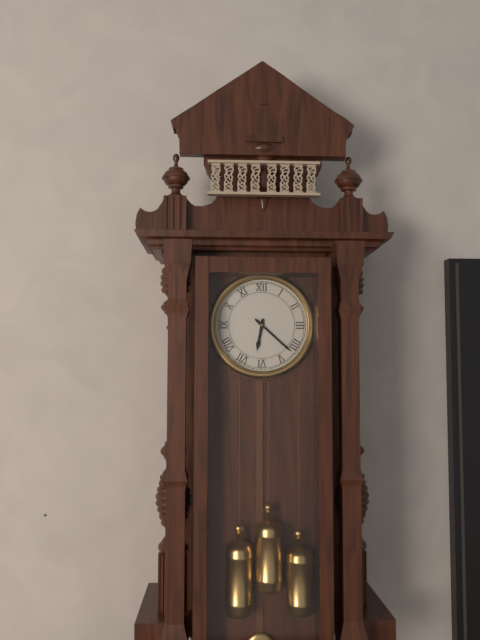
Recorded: 6 h 22 min
